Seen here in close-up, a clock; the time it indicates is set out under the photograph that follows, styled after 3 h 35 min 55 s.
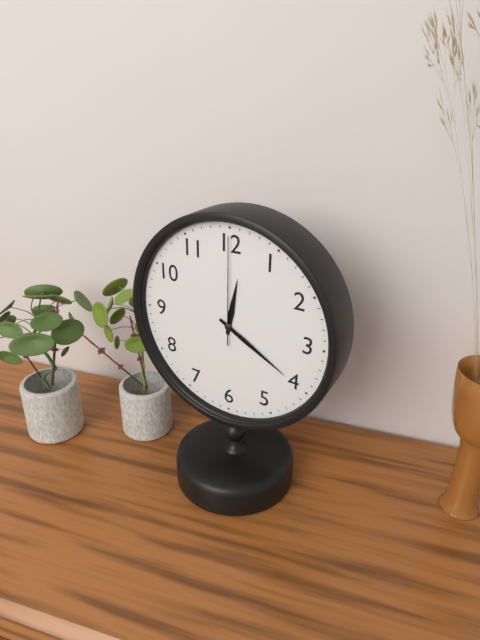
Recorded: 12 h 20 min 00 s
